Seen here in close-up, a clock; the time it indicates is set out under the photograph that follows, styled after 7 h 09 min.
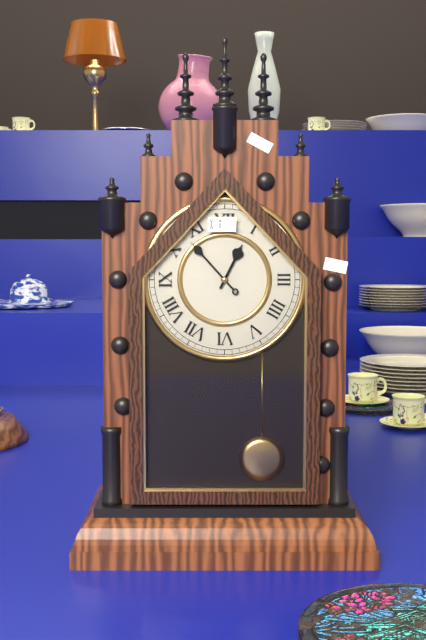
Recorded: 12 h 53 min
